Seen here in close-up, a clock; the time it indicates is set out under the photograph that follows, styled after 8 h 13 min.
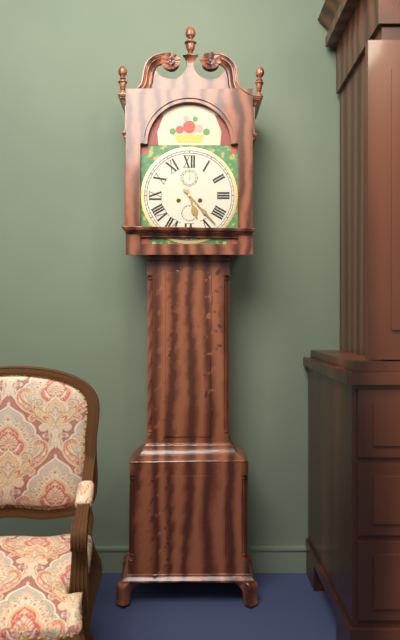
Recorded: 5 h 23 min
